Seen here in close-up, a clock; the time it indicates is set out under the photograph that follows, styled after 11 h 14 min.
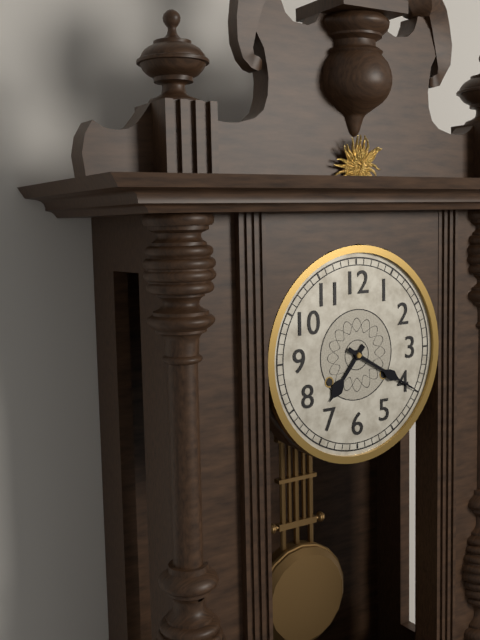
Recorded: 7 h 20 min
